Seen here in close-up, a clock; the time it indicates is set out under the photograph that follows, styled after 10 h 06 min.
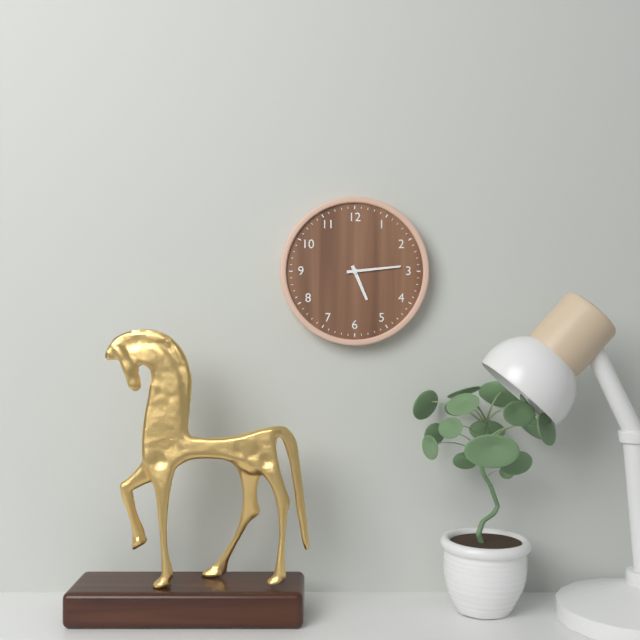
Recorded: 5 h 14 min
